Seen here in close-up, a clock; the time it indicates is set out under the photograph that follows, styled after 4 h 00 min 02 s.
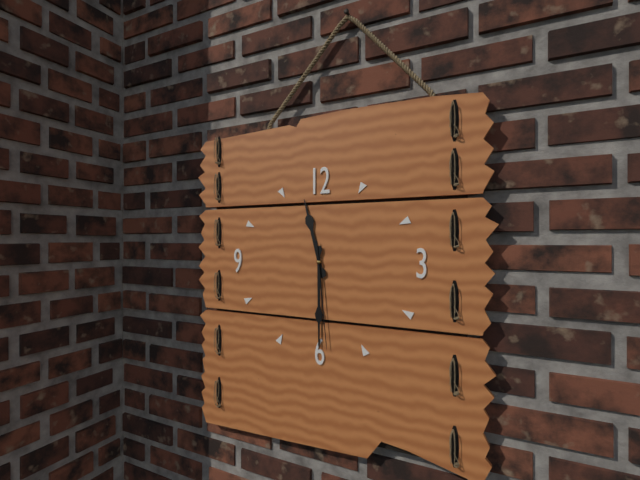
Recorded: 11 h 30 min 29 s
